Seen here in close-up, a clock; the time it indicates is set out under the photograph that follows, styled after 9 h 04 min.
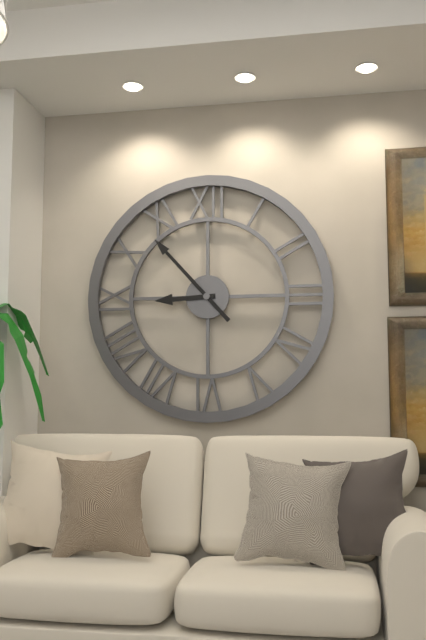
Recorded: 8 h 53 min
